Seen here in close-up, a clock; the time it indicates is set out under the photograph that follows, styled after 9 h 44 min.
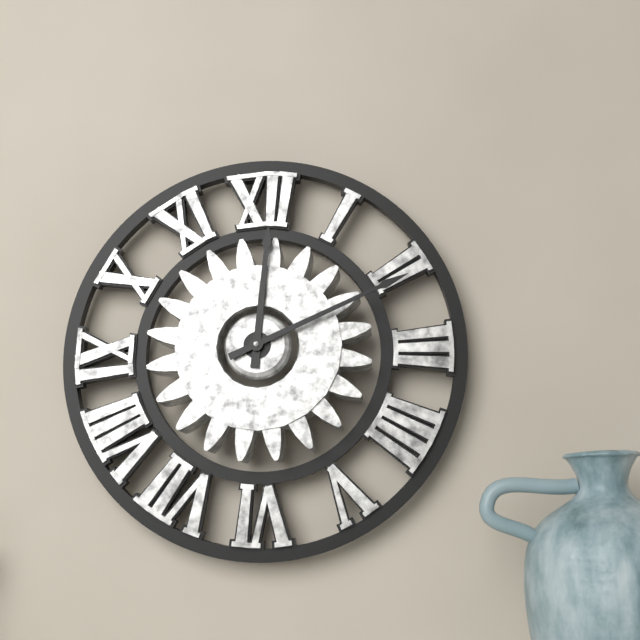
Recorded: 12 h 11 min
